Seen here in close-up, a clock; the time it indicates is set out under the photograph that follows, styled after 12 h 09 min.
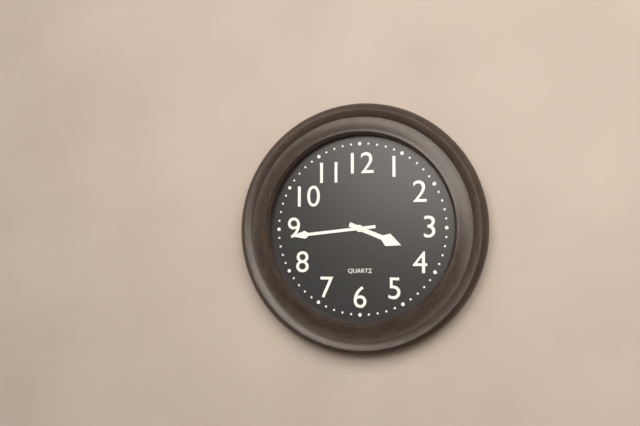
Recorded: 3 h 44 min
